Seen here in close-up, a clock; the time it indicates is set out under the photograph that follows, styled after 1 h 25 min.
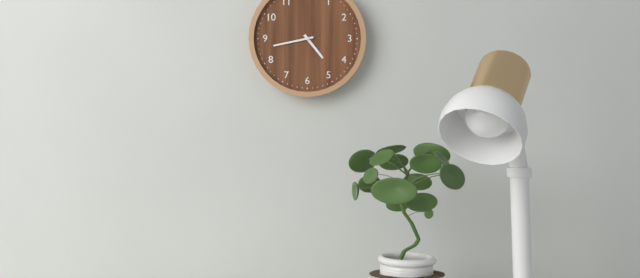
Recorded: 4 h 43 min
